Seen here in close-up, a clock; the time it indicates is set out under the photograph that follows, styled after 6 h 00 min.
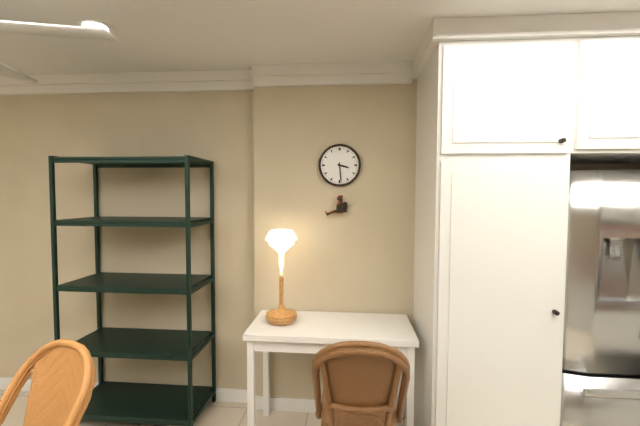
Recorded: 3 h 29 min
